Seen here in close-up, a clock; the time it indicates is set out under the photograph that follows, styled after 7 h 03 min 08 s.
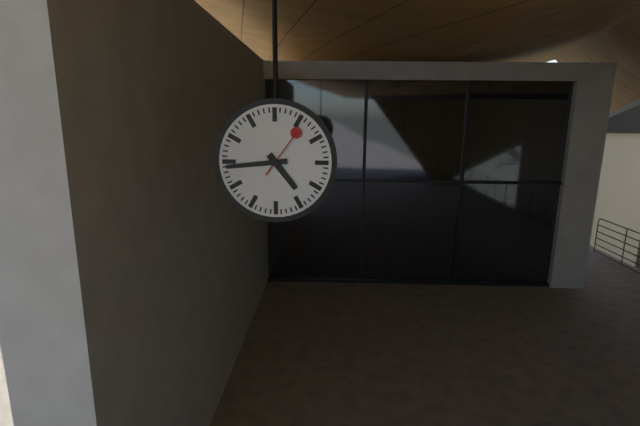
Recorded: 4 h 44 min 06 s
